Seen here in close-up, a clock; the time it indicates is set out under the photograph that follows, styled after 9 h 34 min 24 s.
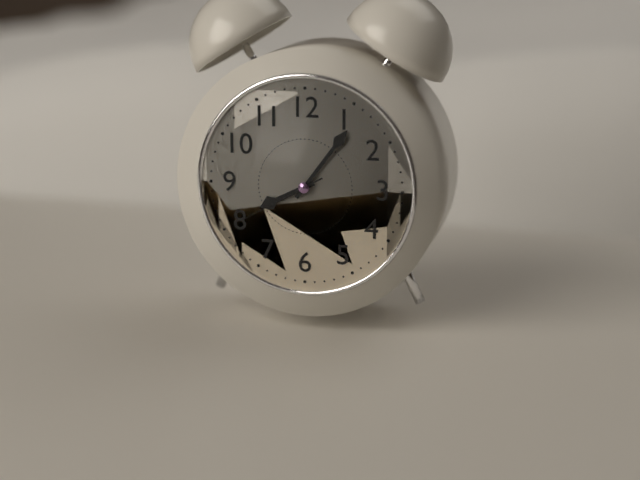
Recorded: 8 h 06 min 40 s
